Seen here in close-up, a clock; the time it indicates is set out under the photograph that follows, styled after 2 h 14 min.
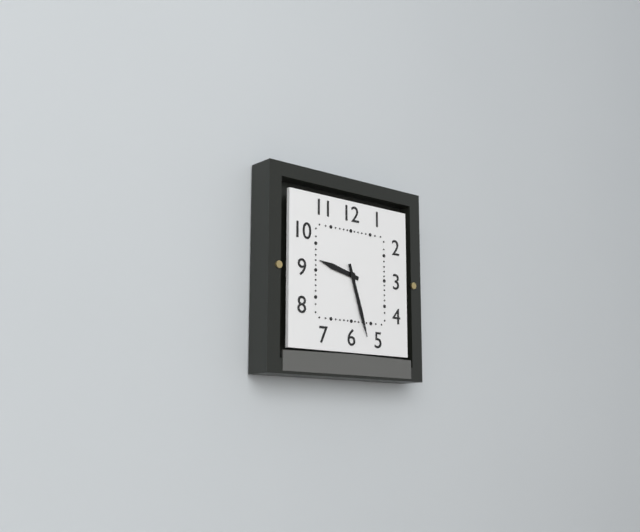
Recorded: 9 h 27 min
